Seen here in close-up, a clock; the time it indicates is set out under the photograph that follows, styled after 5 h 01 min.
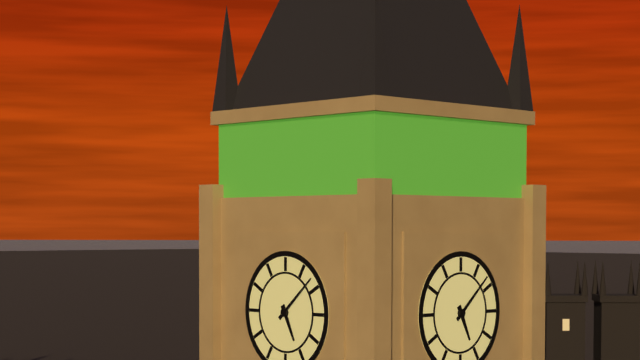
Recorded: 5 h 08 min
